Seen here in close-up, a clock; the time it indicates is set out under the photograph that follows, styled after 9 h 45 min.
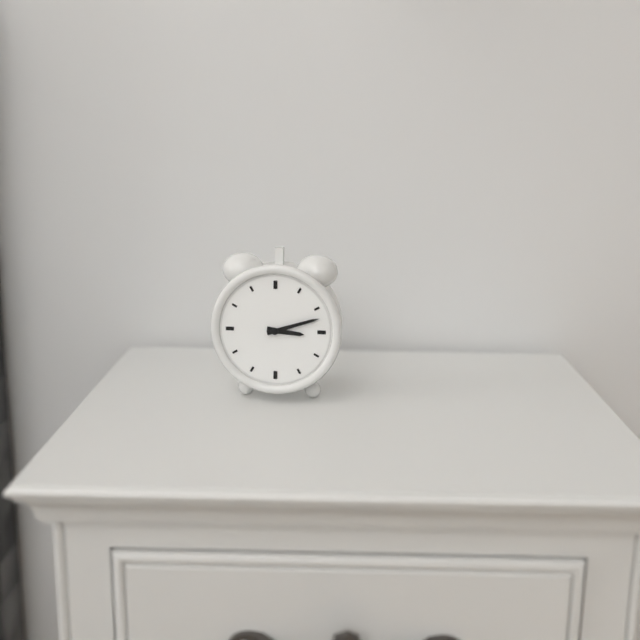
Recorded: 3 h 12 min
